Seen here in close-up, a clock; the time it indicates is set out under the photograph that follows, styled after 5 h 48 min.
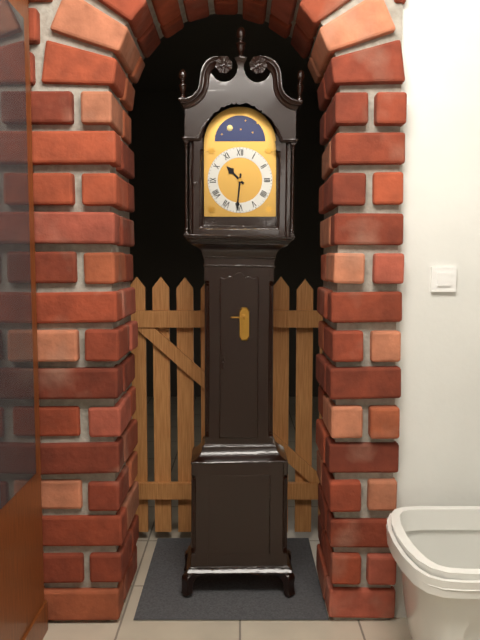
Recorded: 10 h 31 min
